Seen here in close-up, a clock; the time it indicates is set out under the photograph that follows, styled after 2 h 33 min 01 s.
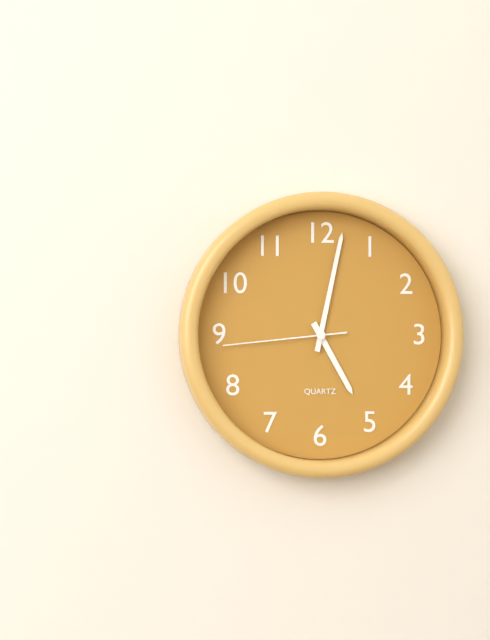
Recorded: 5 h 02 min 44 s
